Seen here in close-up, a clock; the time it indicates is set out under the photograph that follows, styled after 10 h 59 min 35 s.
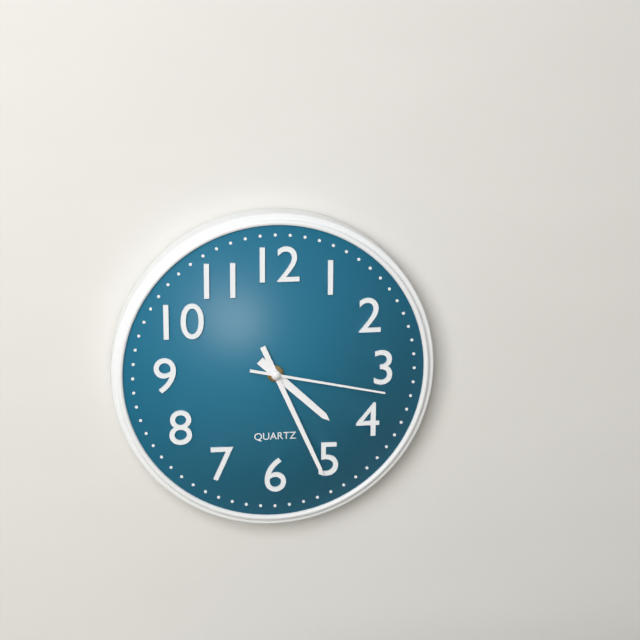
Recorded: 4 h 26 min 17 s
